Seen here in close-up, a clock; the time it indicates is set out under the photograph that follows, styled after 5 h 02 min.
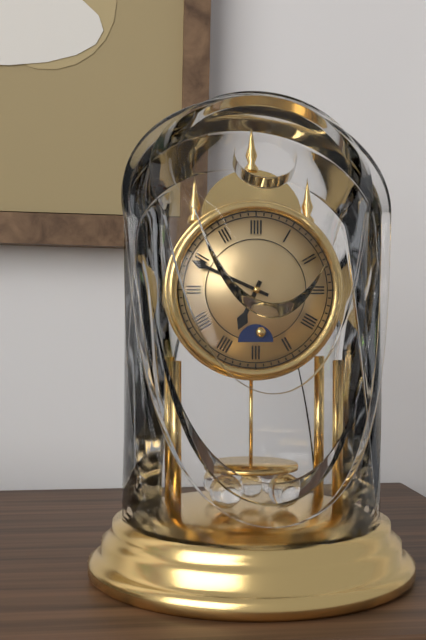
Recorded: 6 h 49 min
